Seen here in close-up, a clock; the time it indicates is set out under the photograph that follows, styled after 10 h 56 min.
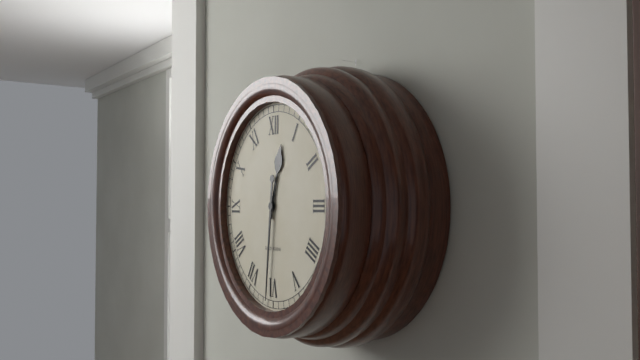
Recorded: 12 h 31 min
